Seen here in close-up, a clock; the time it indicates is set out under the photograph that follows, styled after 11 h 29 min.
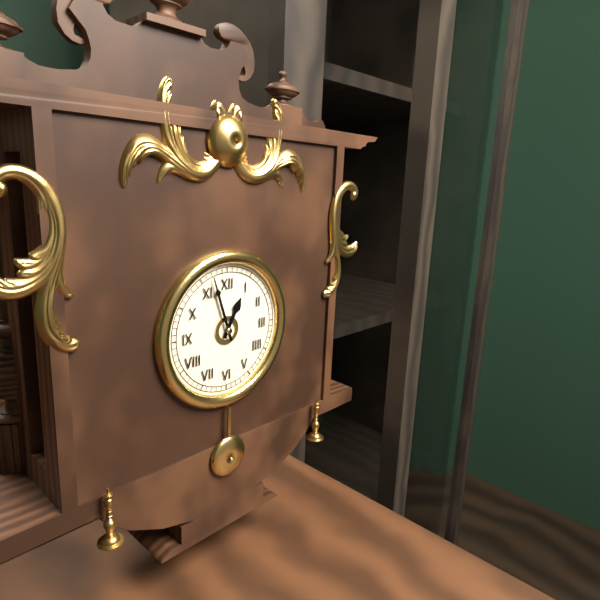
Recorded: 12 h 57 min
